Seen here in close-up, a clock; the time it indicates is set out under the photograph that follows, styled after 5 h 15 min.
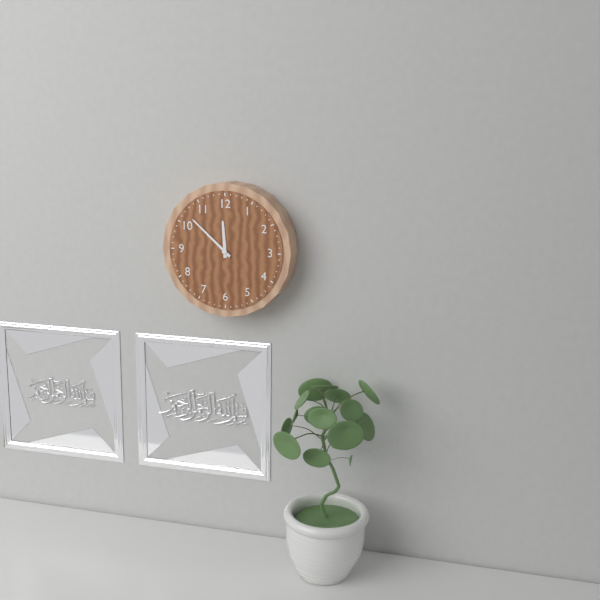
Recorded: 11 h 52 min
